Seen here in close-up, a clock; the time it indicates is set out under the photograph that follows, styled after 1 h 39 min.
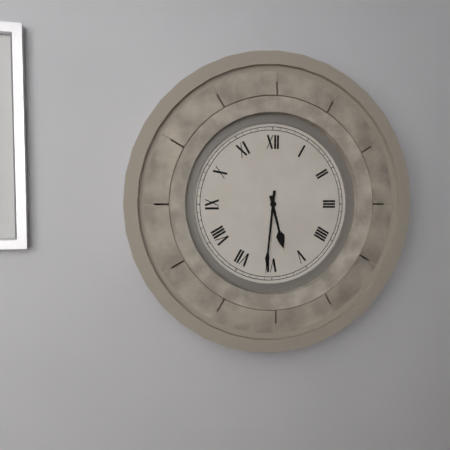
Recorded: 5 h 31 min
